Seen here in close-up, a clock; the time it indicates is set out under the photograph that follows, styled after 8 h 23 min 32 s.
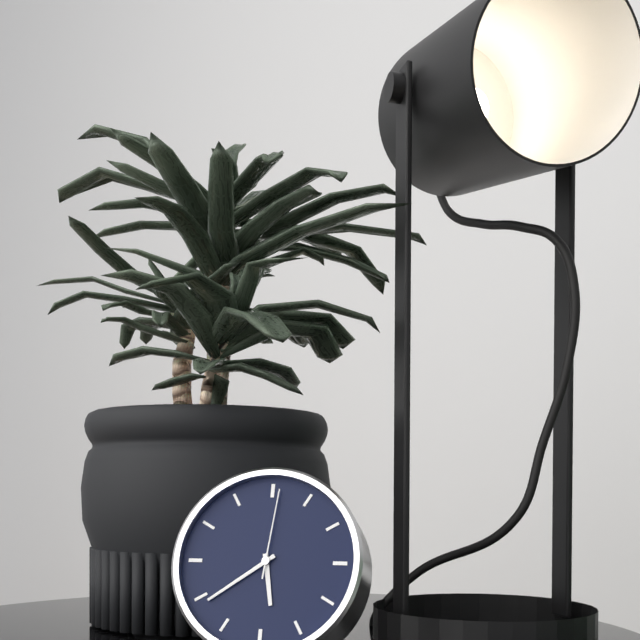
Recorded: 5 h 39 min 01 s
